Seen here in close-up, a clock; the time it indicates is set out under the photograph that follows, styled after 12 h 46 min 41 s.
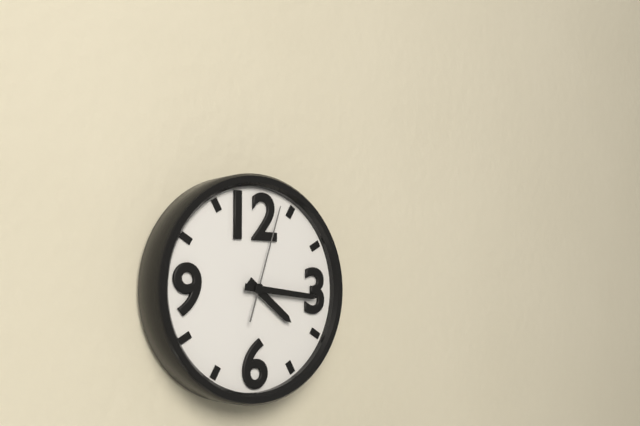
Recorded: 4 h 16 min 03 s
